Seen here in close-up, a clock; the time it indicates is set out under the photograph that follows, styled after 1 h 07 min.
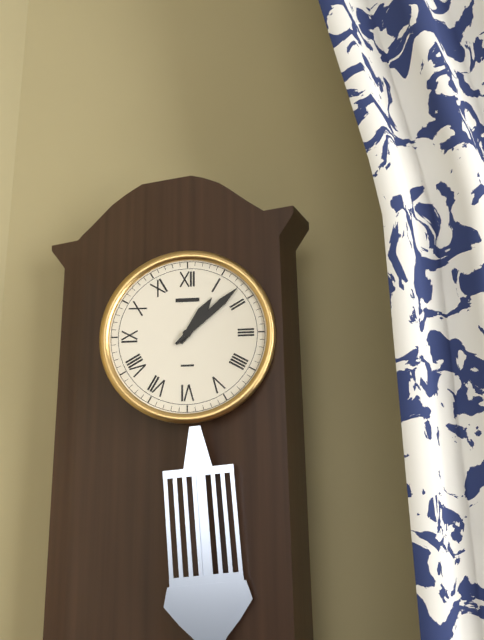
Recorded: 1 h 08 min
